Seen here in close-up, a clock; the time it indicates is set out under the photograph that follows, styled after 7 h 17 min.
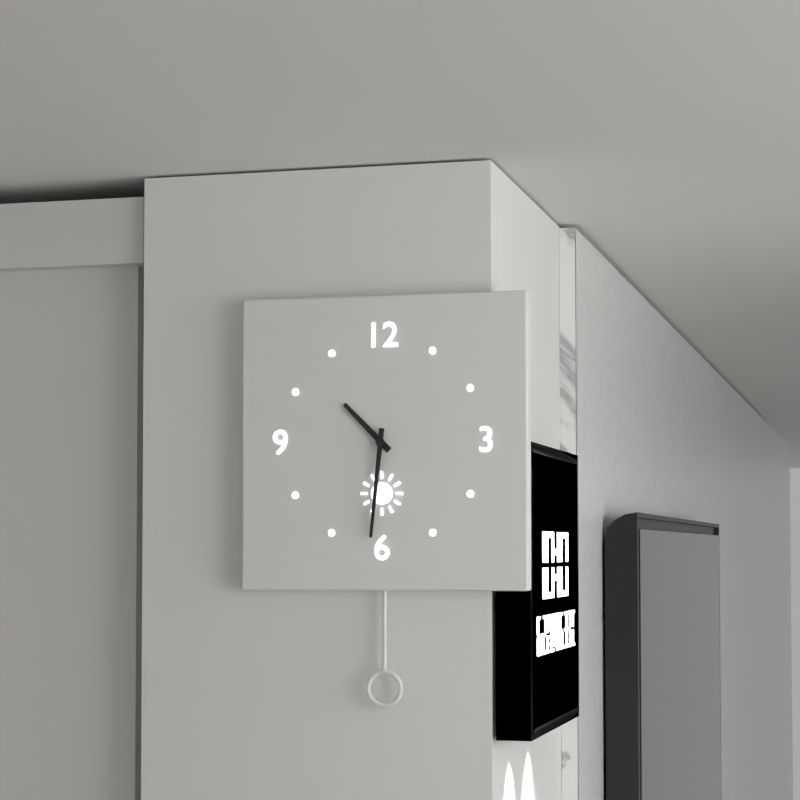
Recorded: 10 h 31 min
